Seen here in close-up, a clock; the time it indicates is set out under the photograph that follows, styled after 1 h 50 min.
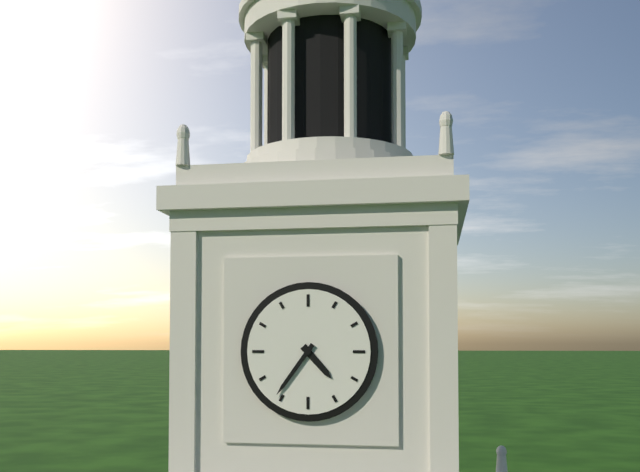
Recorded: 4 h 36 min
